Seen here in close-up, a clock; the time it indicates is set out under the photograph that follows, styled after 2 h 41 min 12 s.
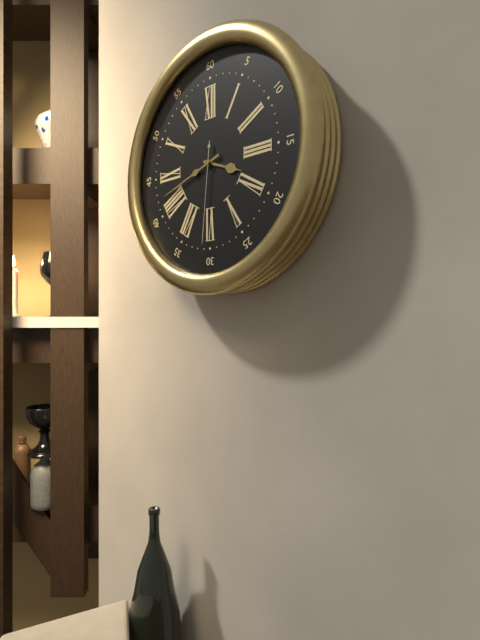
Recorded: 3 h 42 min 31 s
